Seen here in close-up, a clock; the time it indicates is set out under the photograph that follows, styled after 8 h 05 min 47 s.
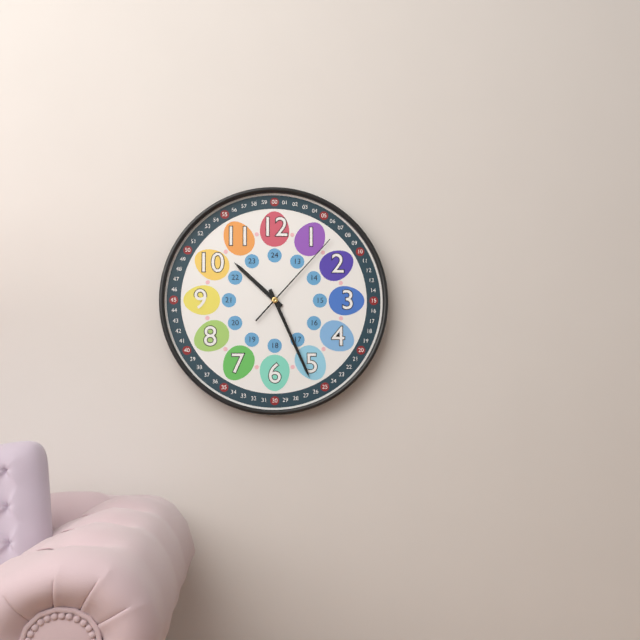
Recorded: 10 h 26 min 07 s
